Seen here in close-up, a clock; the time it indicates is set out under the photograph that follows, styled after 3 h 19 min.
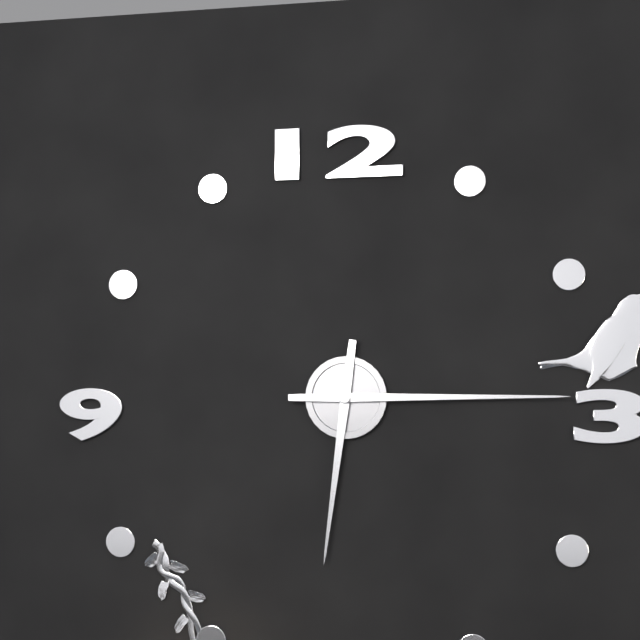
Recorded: 6 h 15 min
